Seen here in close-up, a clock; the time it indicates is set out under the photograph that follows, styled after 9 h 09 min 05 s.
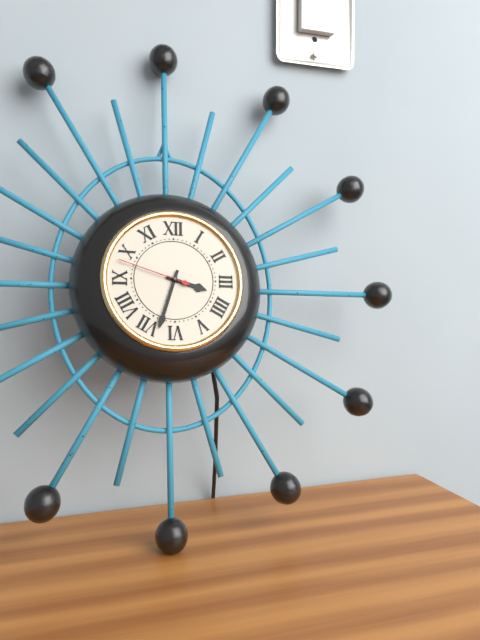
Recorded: 3 h 33 min 48 s
